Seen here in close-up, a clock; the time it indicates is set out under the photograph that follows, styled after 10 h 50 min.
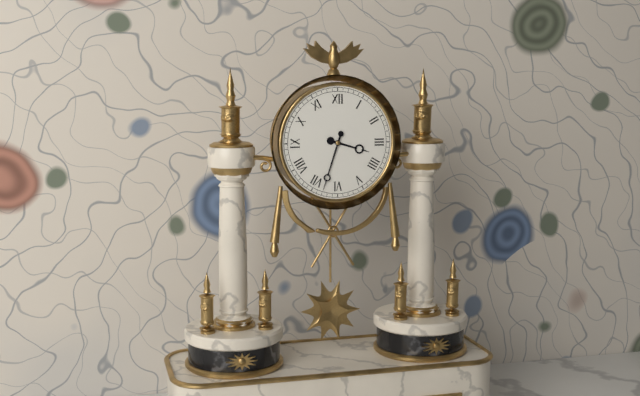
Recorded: 3 h 33 min
